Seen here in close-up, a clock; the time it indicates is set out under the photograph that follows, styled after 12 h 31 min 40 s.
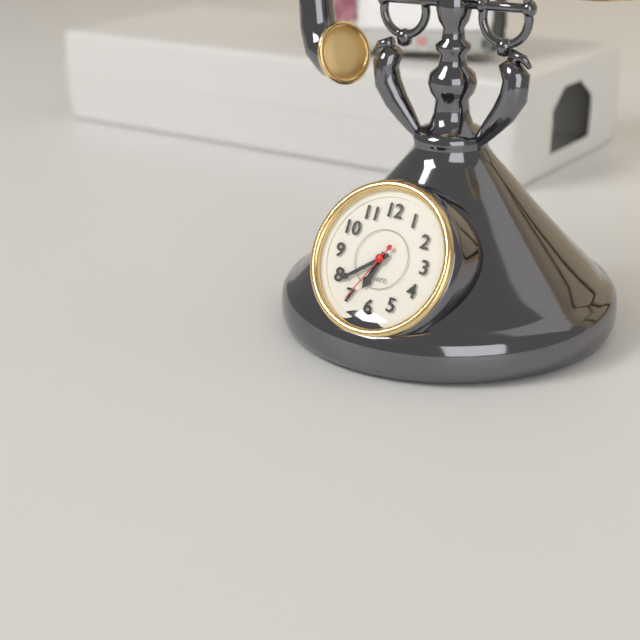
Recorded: 6 h 39 min 35 s
